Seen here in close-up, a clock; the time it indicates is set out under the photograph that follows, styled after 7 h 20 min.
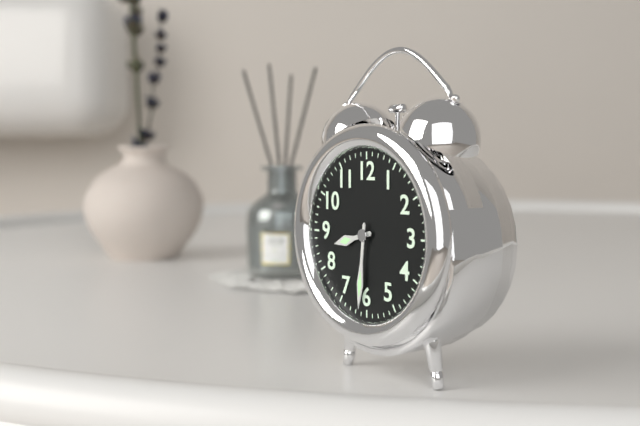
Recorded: 8 h 31 min
